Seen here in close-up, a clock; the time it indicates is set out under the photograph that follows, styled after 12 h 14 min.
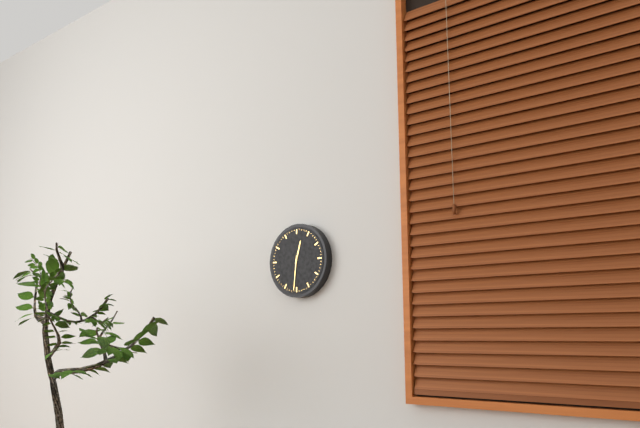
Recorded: 12 h 31 min
